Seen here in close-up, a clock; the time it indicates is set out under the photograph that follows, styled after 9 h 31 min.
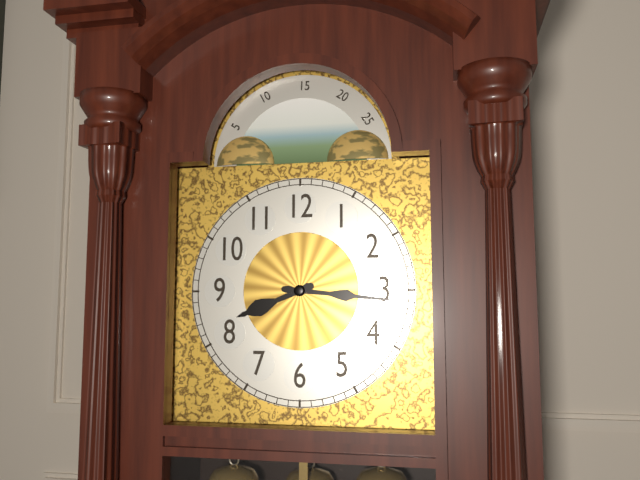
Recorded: 8 h 16 min
